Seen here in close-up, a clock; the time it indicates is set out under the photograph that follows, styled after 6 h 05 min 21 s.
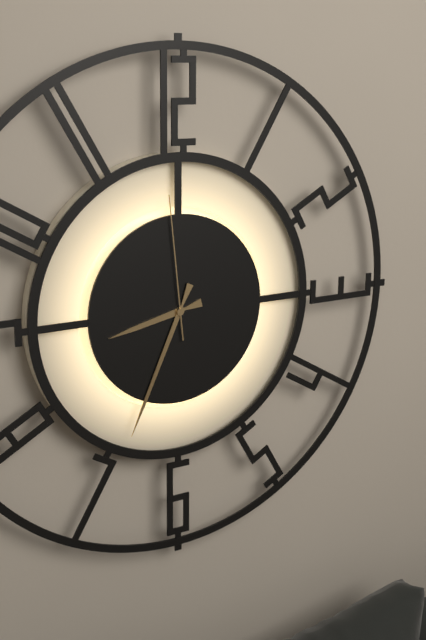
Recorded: 8 h 34 min 59 s
